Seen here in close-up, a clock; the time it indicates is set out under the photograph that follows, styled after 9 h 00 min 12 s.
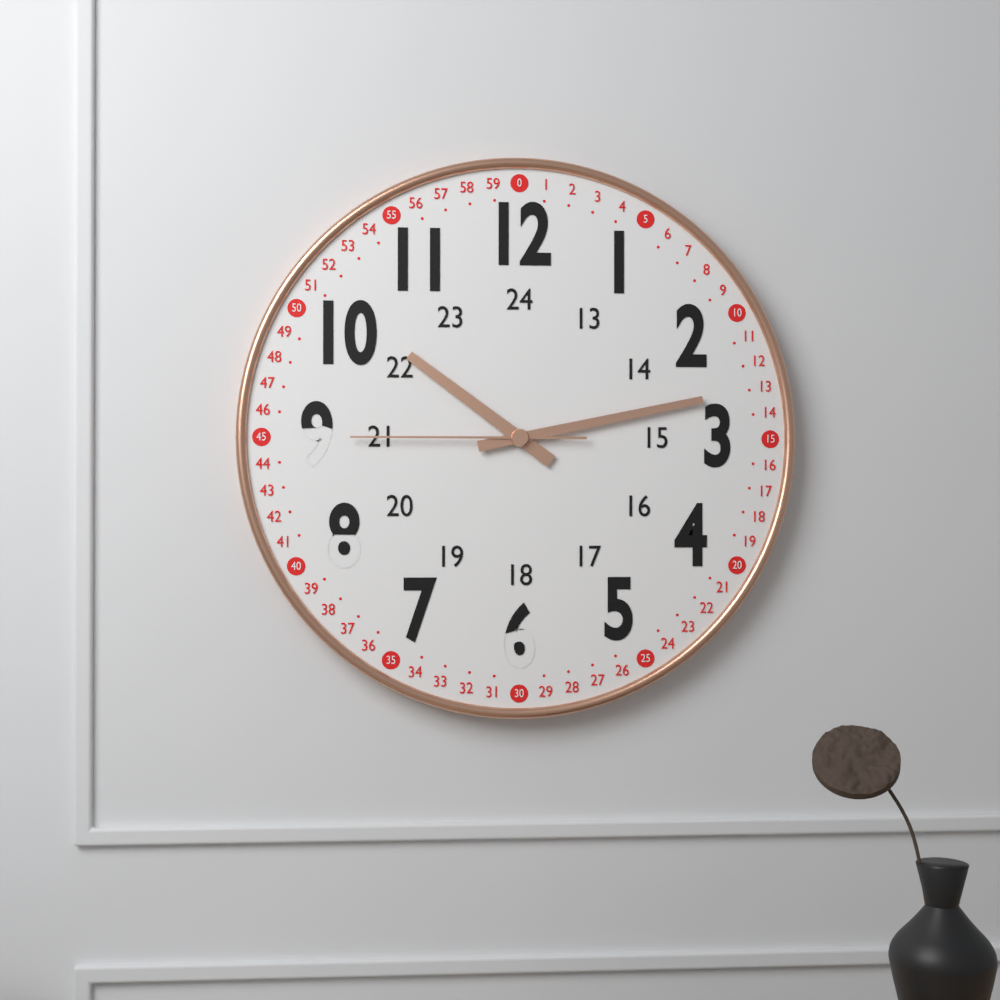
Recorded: 10 h 13 min 45 s
